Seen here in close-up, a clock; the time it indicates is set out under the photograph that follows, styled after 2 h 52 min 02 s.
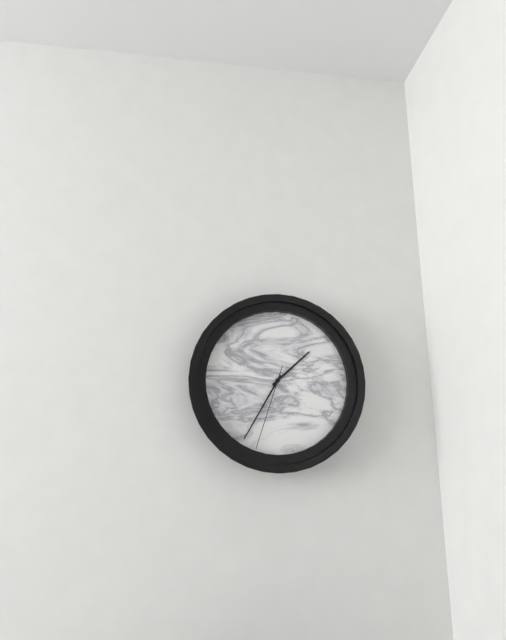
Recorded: 1 h 35 min 33 s
